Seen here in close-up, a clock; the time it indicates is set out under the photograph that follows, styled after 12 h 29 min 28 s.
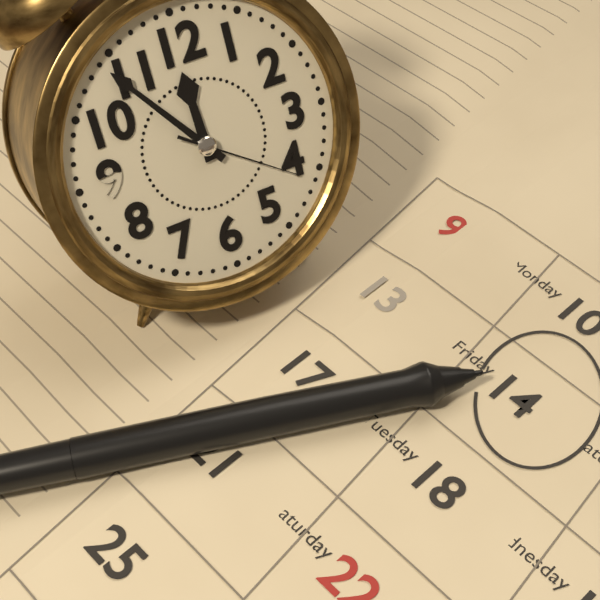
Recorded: 11 h 54 min 21 s
